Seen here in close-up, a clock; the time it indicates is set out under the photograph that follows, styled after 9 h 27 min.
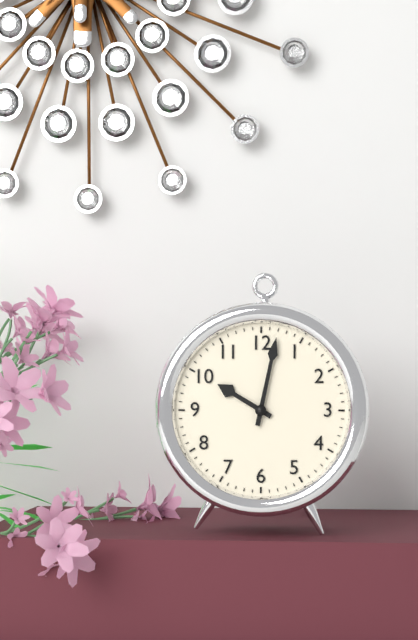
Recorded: 10 h 02 min
